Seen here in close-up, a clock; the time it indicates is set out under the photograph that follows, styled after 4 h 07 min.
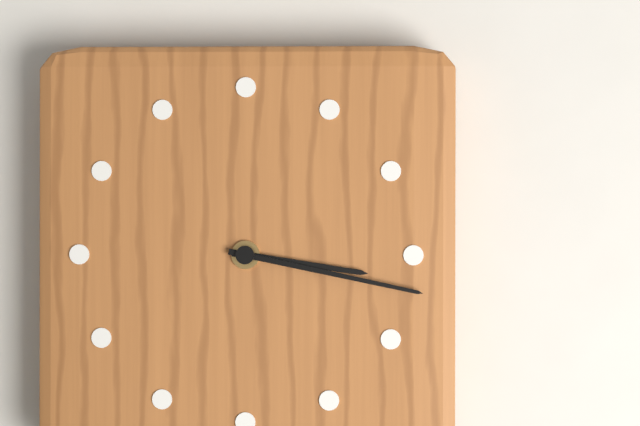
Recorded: 3 h 17 min
